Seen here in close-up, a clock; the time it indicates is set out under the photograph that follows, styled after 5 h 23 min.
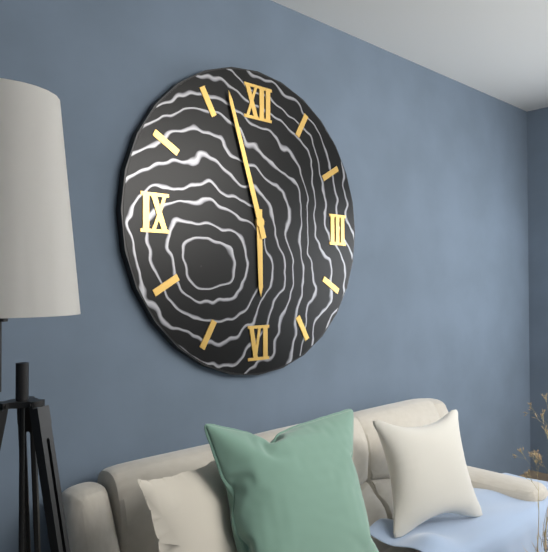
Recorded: 5 h 57 min
